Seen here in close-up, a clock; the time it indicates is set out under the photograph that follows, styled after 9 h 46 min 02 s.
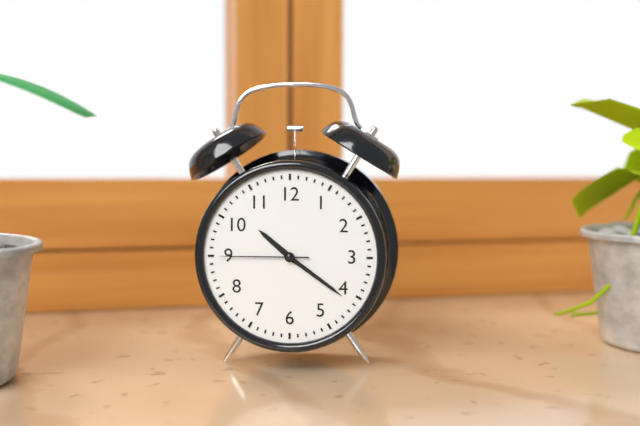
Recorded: 10 h 21 min 45 s
